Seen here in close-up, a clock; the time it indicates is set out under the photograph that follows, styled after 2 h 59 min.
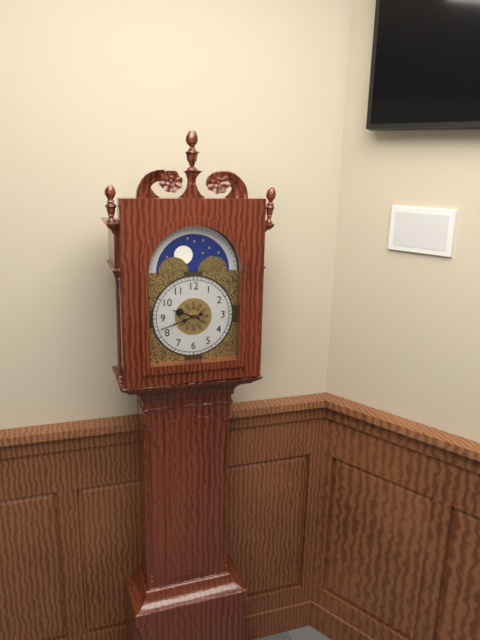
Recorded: 9 h 42 min
